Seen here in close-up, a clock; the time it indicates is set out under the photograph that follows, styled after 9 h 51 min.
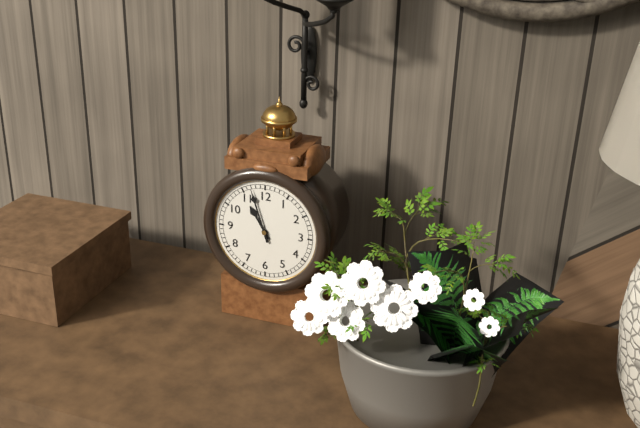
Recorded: 10 h 57 min
